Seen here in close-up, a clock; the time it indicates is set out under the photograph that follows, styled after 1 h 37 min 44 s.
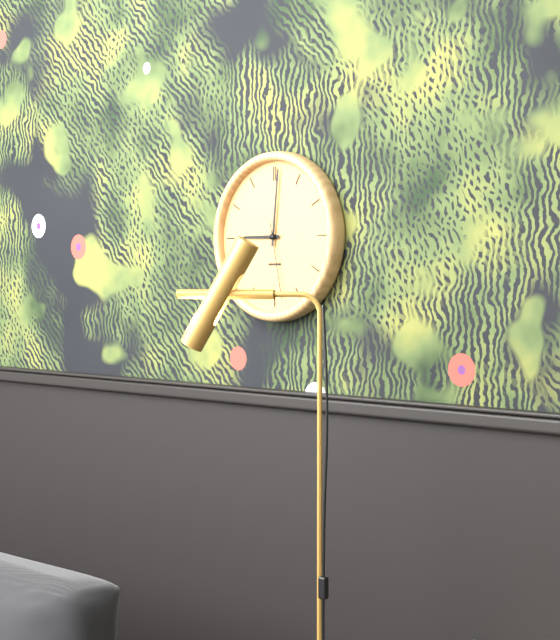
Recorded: 9 h 01 min 28 s
